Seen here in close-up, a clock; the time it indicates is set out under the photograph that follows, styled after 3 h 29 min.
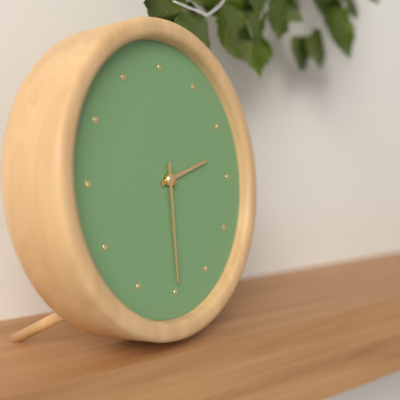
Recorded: 2 h 30 min
